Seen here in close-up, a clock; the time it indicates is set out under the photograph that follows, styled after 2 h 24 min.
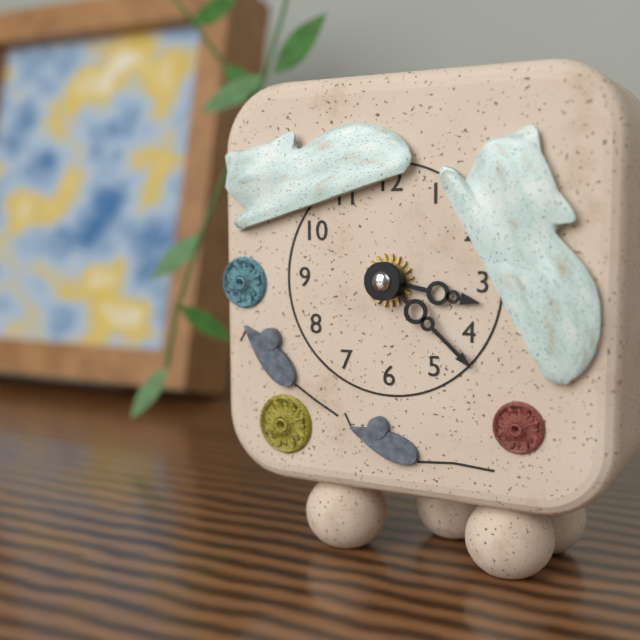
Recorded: 3 h 22 min
